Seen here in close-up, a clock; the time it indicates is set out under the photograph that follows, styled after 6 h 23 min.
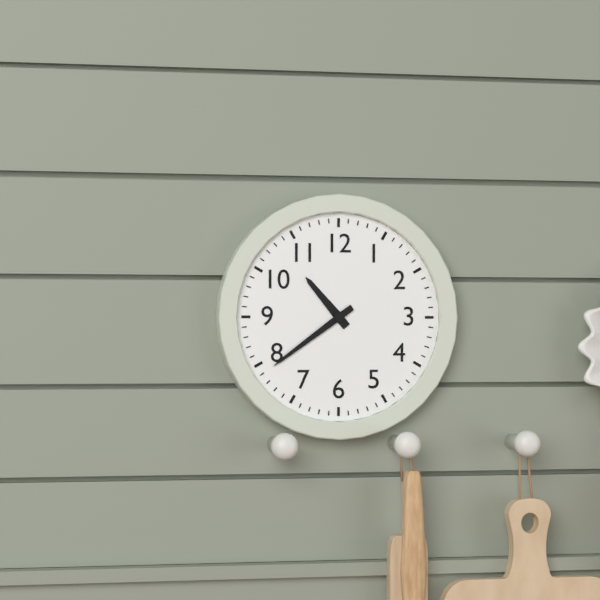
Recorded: 10 h 39 min
